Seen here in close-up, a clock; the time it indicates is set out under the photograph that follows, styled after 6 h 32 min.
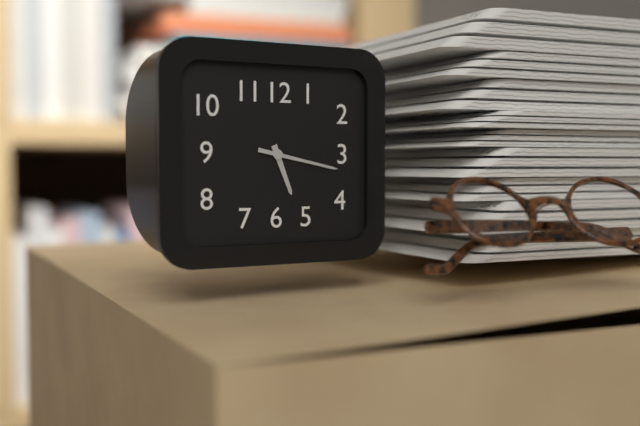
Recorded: 5 h 17 min
